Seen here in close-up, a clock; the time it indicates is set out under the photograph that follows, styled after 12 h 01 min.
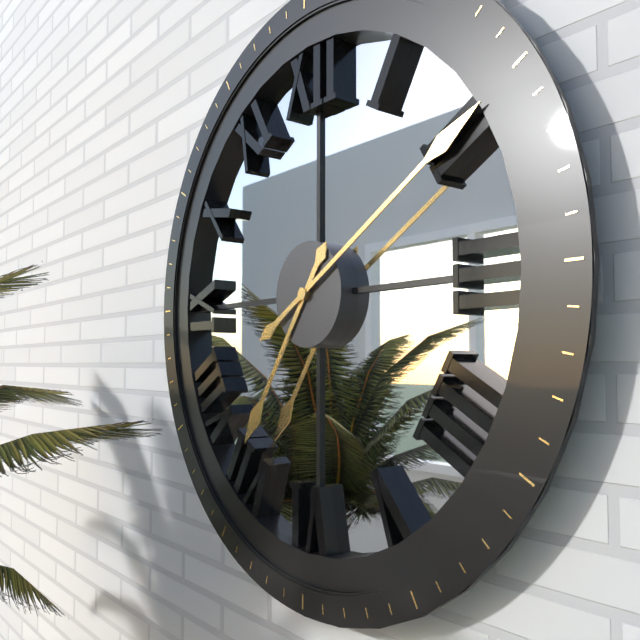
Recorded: 7 h 10 min
